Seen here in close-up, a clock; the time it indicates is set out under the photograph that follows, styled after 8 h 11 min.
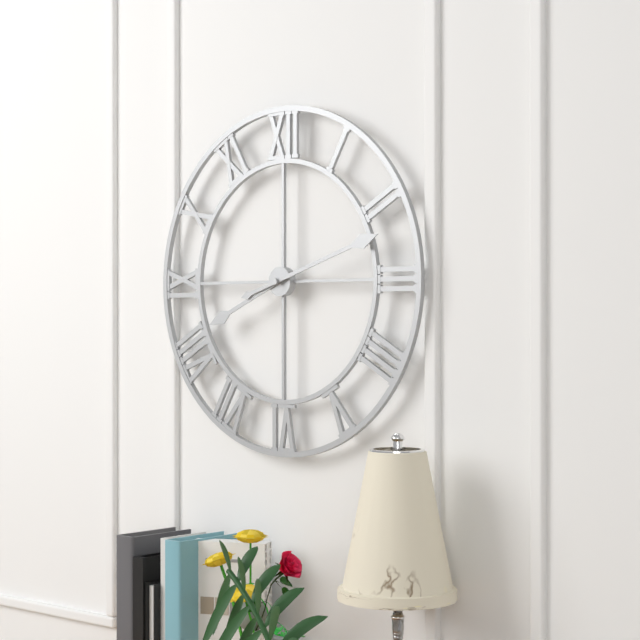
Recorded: 8 h 12 min
